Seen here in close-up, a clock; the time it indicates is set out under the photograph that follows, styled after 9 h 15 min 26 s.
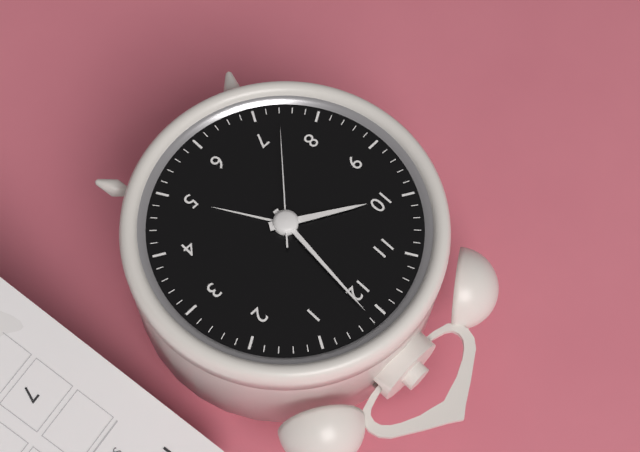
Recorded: 10 h 01 min 37 s
